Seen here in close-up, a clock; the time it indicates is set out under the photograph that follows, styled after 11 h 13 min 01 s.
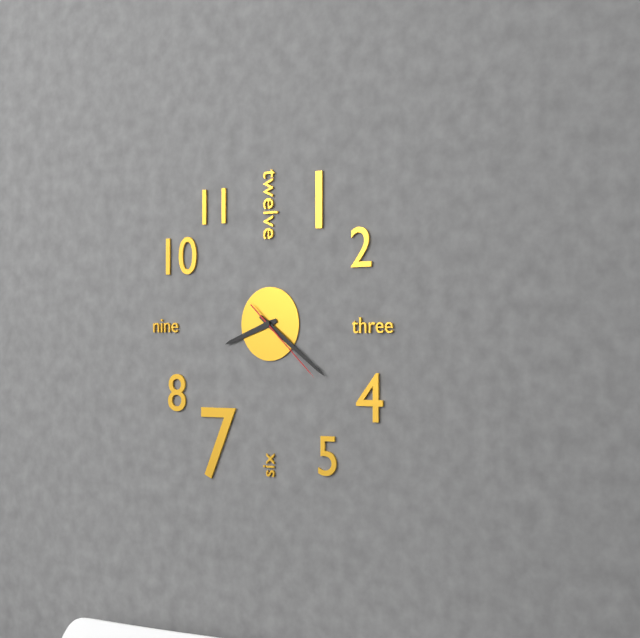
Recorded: 8 h 21 min 22 s
